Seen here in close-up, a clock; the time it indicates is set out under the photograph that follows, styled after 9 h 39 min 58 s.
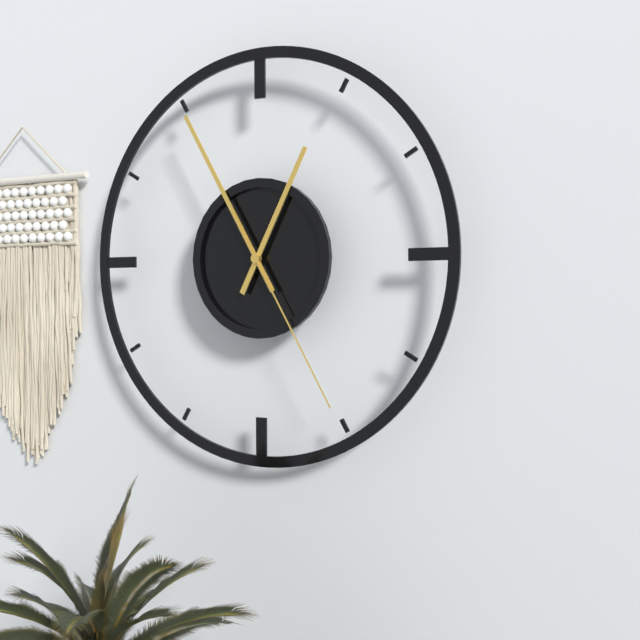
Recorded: 12 h 55 min 25 s
